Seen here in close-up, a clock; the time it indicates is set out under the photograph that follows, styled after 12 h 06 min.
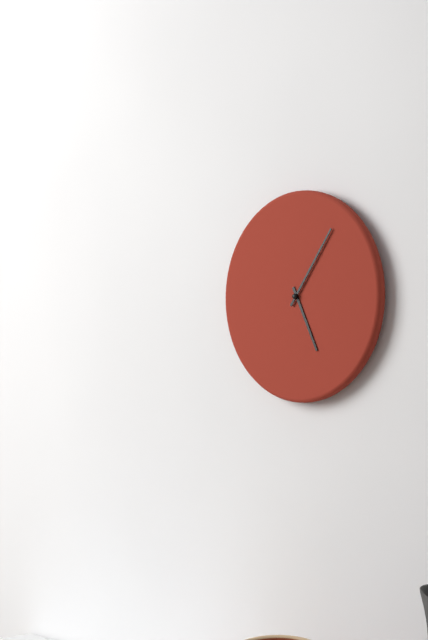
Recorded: 5 h 06 min
